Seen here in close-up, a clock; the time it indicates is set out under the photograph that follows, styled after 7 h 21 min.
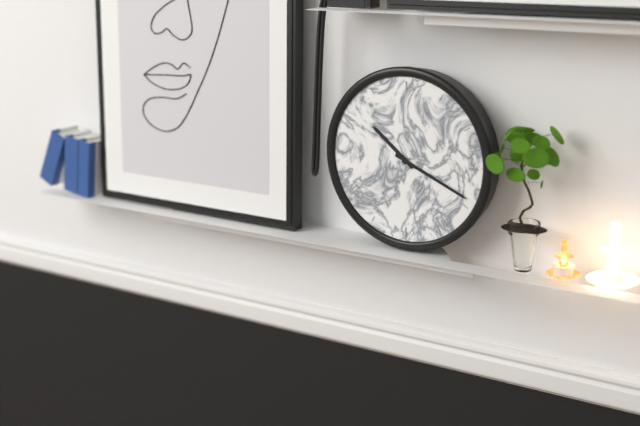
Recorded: 10 h 19 min
